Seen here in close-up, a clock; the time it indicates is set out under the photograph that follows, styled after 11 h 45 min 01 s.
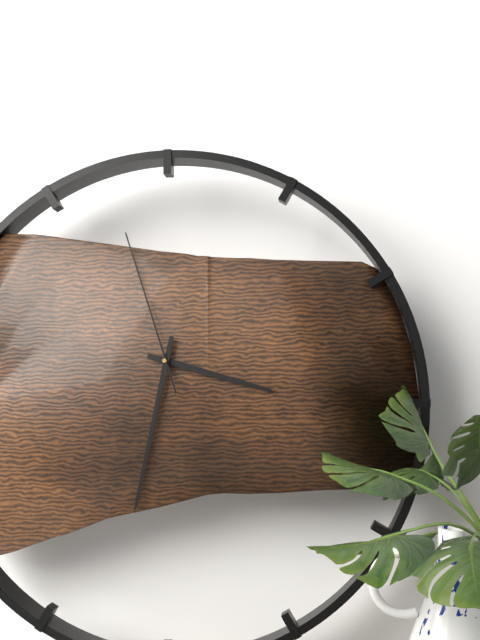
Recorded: 3 h 32 min 57 s
